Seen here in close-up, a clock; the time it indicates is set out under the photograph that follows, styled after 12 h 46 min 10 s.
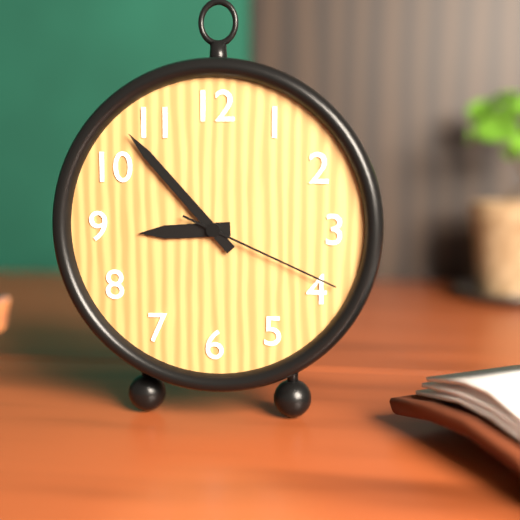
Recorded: 8 h 53 min 19 s
